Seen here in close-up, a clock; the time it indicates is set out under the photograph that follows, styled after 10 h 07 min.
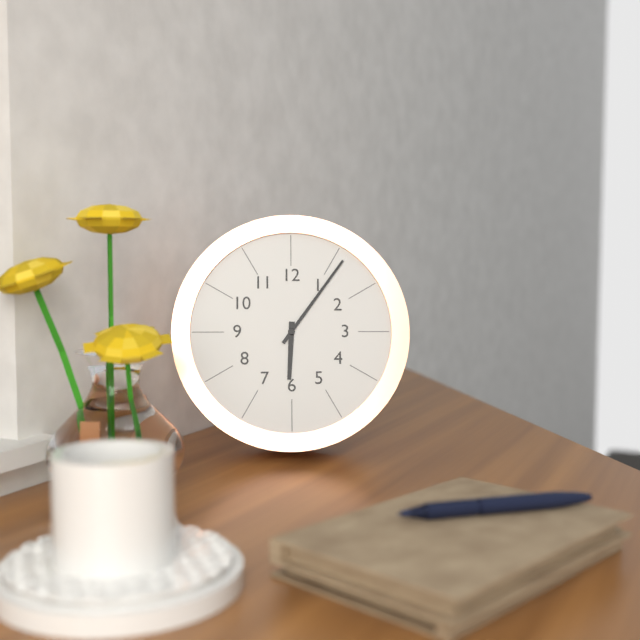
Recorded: 6 h 06 min
